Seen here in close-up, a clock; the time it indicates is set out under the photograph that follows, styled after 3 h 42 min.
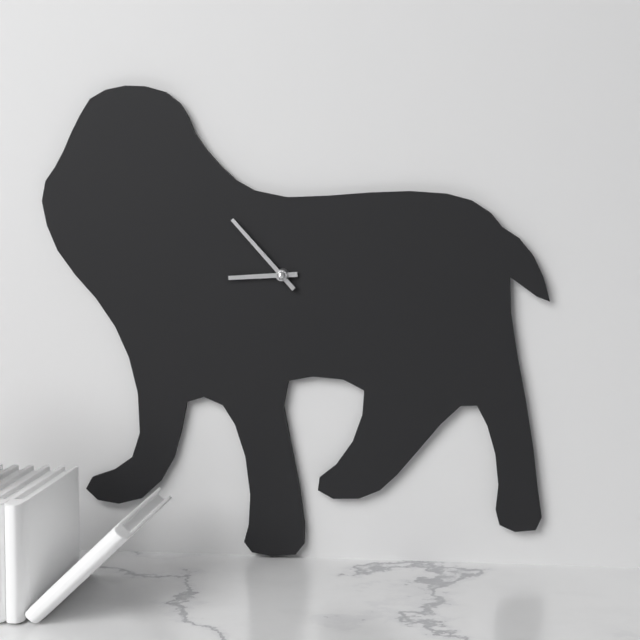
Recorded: 8 h 53 min
